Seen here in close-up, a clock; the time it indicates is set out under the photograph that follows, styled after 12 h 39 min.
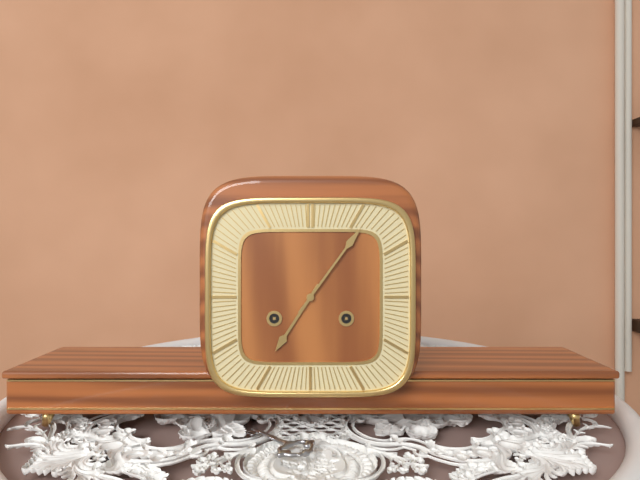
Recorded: 7 h 06 min
